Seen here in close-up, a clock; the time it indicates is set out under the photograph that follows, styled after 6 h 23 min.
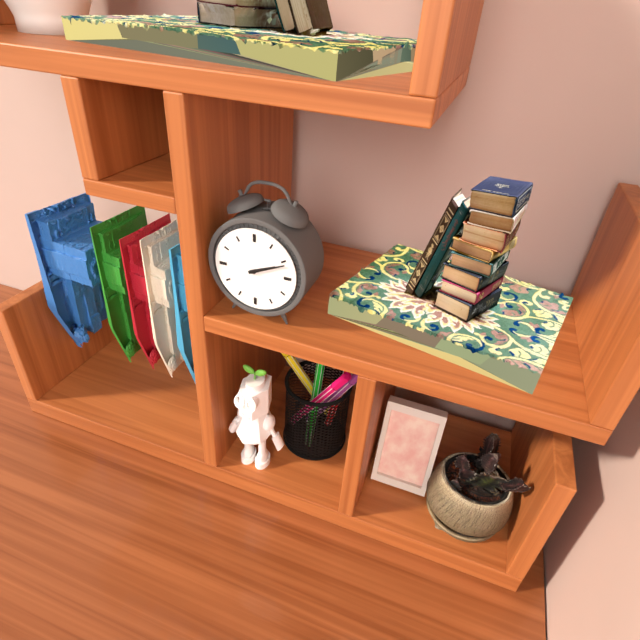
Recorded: 2 h 11 min
